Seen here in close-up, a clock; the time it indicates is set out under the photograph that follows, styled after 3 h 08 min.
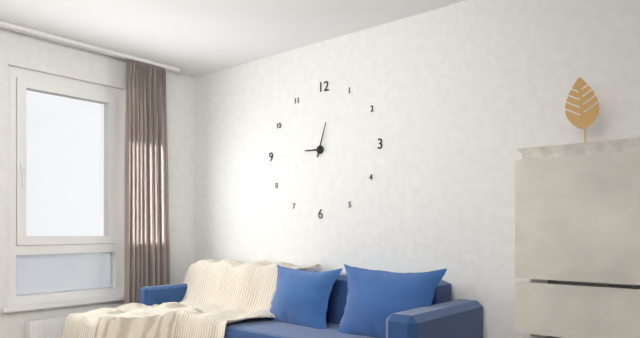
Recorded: 9 h 03 min
